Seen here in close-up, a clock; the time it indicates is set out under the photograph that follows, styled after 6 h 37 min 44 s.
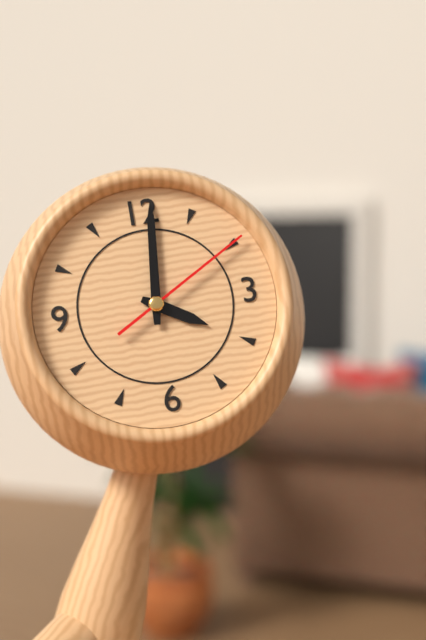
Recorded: 4 h 01 min 10 s
